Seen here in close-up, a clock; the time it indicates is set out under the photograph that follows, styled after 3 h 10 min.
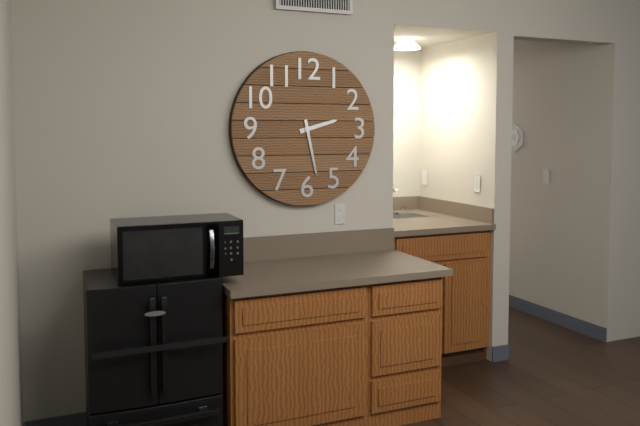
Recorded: 2 h 28 min
